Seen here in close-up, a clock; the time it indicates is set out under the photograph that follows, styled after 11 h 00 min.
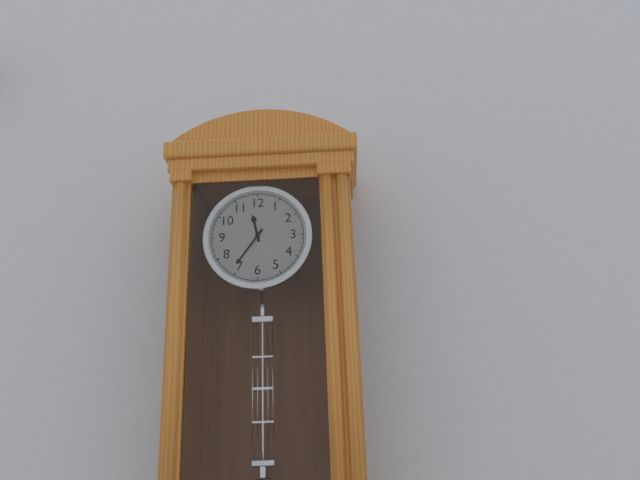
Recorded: 11 h 36 min
